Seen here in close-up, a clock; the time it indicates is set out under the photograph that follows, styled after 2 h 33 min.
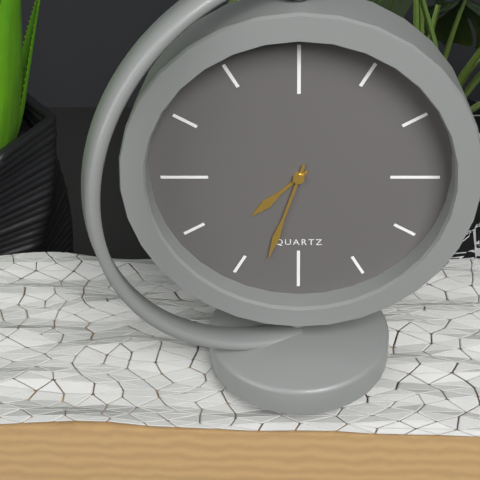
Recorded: 7 h 33 min
